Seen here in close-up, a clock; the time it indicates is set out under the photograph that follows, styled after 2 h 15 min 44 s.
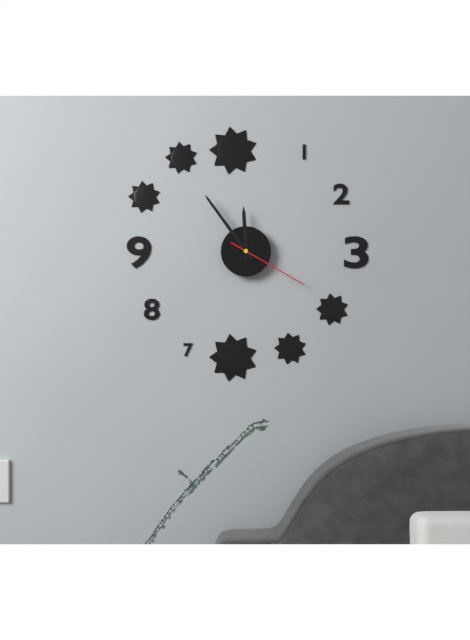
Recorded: 11 h 54 min 20 s
